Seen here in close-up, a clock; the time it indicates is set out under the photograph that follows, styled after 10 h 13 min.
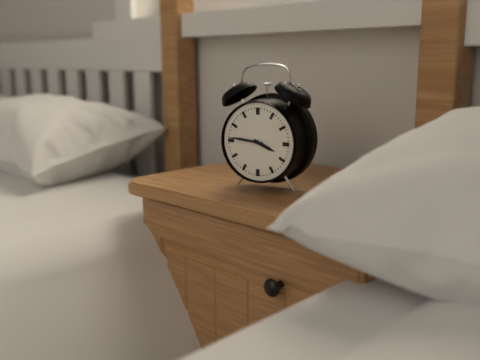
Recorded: 3 h 46 min
